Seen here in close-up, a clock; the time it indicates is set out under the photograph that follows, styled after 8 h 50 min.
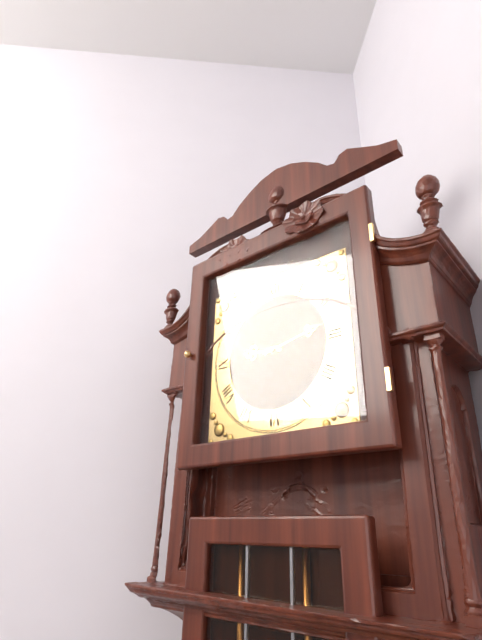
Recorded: 9 h 13 min
